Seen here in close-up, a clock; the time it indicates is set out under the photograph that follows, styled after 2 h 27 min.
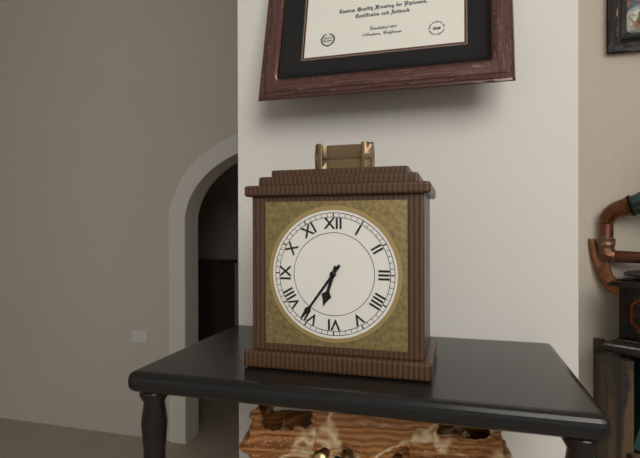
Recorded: 6 h 36 min
